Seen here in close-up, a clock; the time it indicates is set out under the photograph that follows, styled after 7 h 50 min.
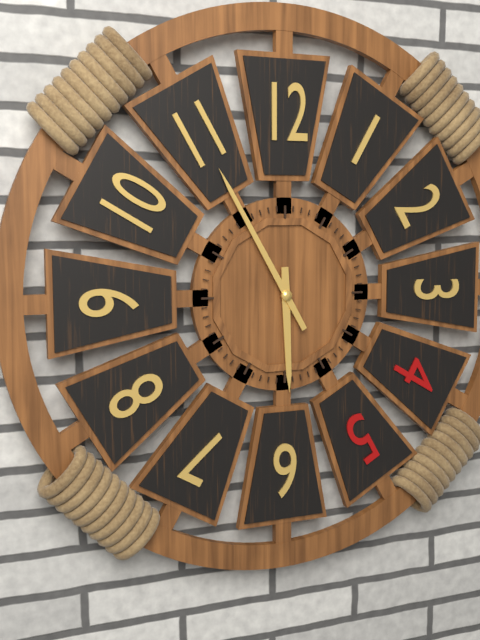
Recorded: 5 h 55 min
